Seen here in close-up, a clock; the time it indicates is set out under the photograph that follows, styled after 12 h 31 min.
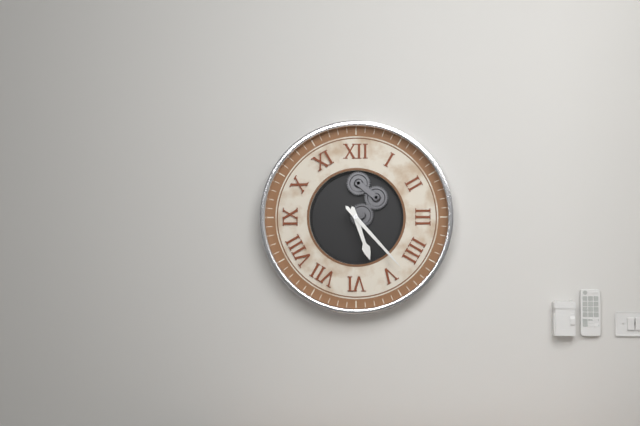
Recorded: 5 h 23 min
